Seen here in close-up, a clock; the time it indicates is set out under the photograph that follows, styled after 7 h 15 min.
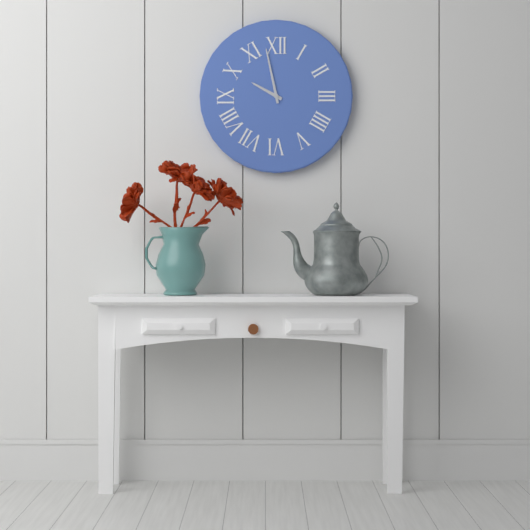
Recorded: 9 h 58 min
